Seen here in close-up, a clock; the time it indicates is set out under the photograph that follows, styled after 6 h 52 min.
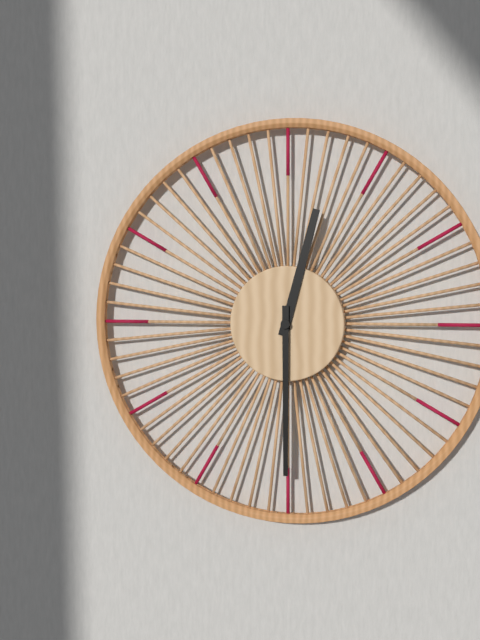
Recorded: 12 h 30 min
